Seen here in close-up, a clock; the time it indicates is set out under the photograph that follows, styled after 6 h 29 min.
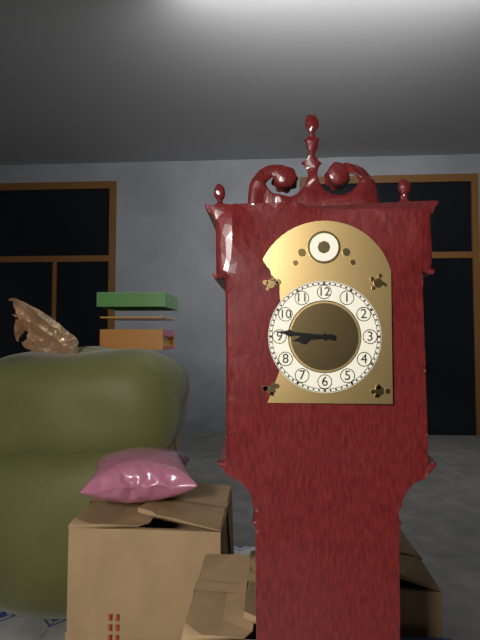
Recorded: 8 h 46 min
